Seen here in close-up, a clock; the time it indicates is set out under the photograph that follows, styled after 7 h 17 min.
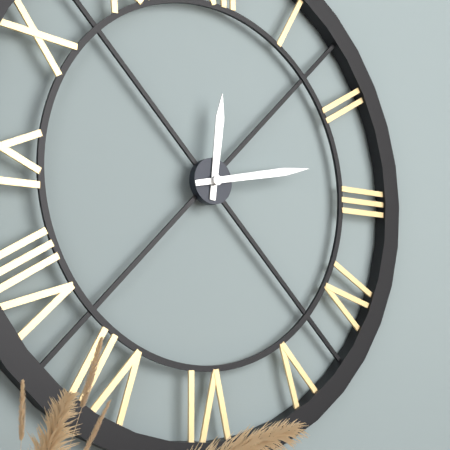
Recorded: 12 h 13 min
